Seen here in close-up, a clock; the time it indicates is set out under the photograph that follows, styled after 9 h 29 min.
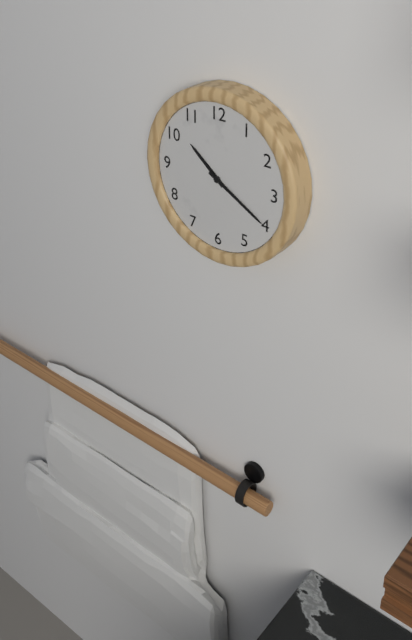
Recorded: 10 h 20 min
